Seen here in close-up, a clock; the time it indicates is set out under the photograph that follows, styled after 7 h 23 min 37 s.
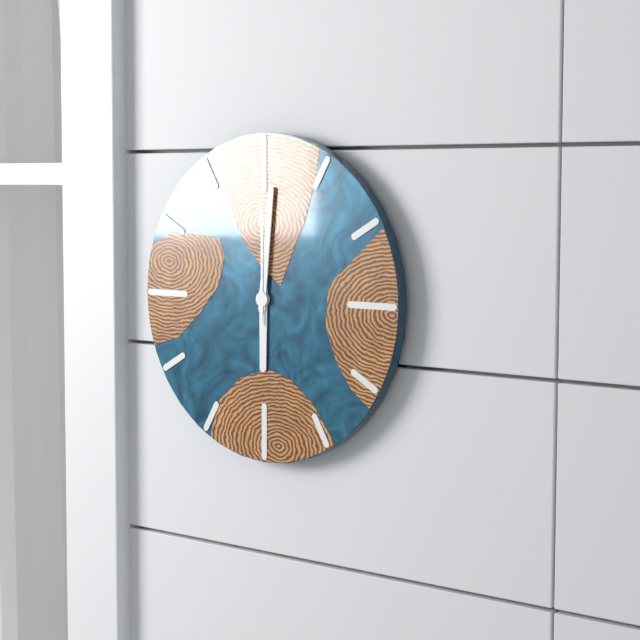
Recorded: 6 h 01 min 00 s
